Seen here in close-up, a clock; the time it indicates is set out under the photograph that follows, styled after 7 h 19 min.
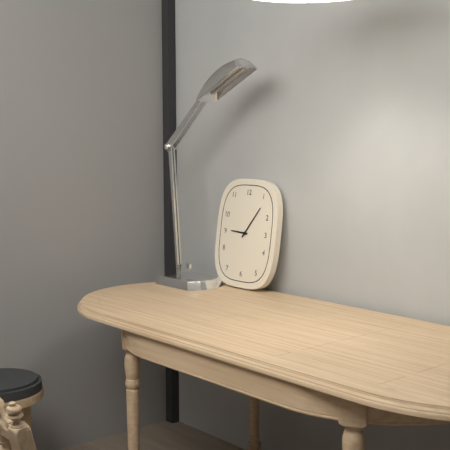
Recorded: 9 h 06 min
